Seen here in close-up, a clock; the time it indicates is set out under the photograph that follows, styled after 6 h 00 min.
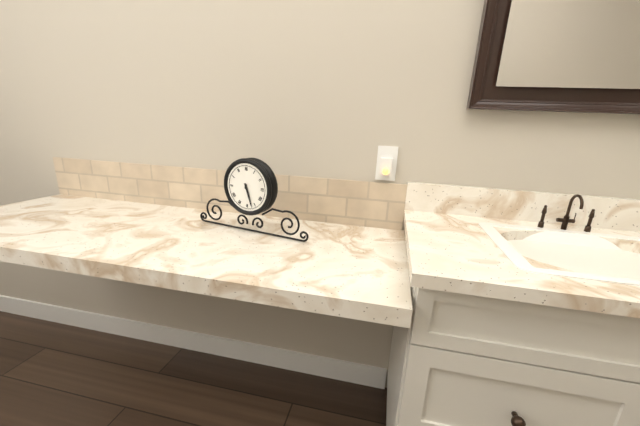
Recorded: 5 h 27 min
